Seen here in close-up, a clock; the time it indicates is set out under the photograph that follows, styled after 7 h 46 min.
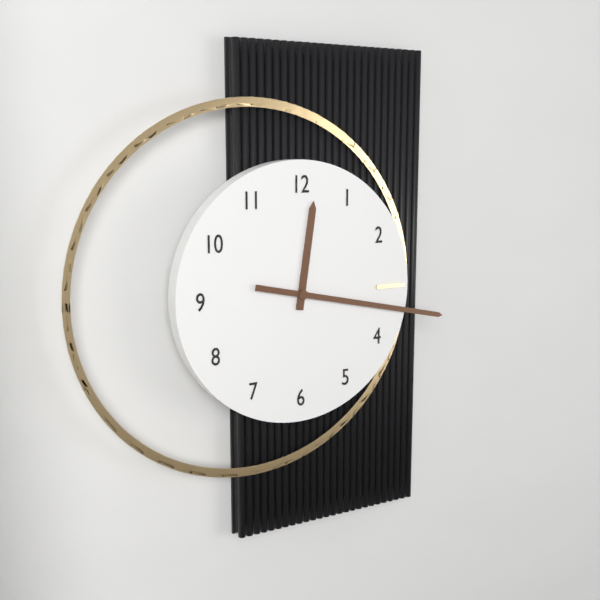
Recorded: 12 h 17 min
